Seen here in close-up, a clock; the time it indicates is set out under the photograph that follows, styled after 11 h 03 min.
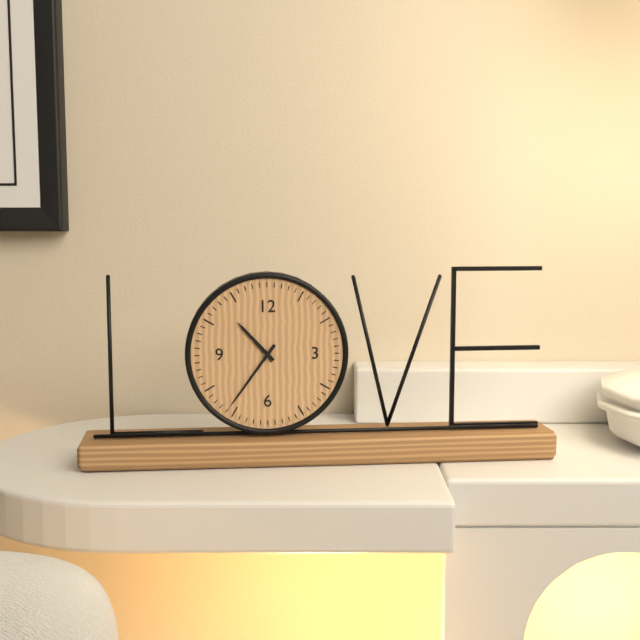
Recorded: 10 h 36 min
